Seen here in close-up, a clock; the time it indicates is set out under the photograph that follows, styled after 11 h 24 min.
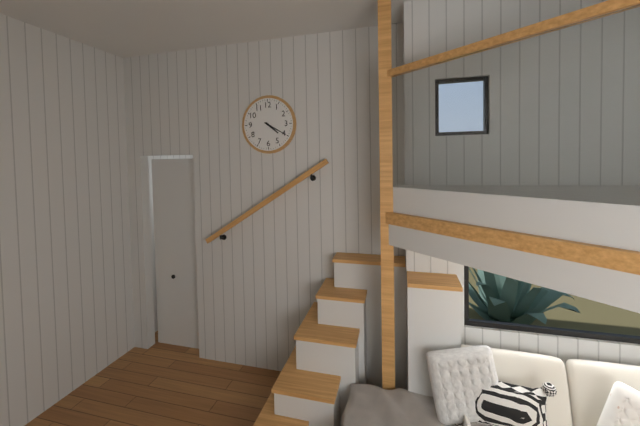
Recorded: 4 h 20 min
